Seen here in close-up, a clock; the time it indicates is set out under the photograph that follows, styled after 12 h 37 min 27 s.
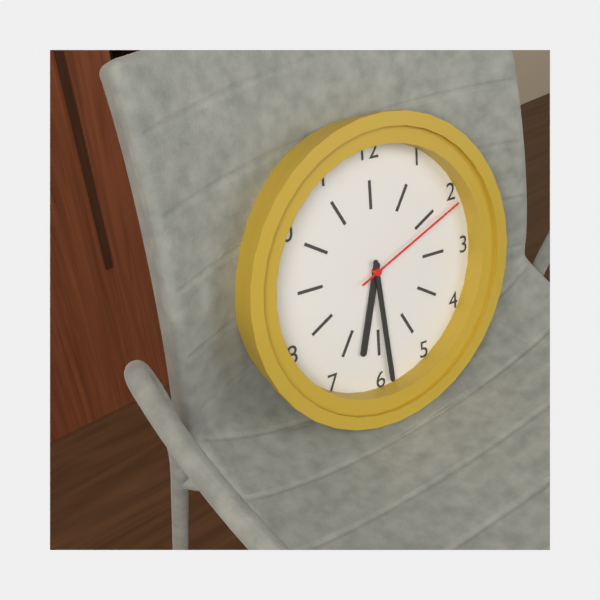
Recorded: 6 h 29 min 11 s
